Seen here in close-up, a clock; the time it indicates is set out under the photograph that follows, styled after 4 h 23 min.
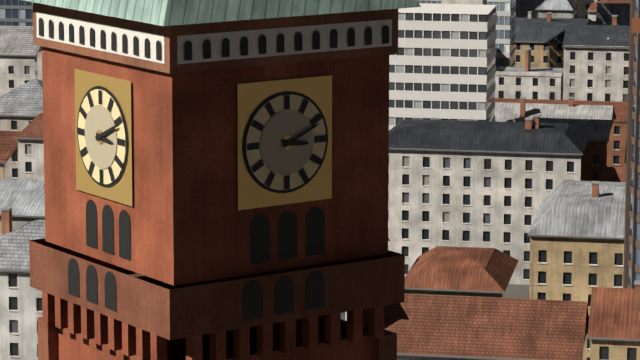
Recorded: 3 h 11 min
